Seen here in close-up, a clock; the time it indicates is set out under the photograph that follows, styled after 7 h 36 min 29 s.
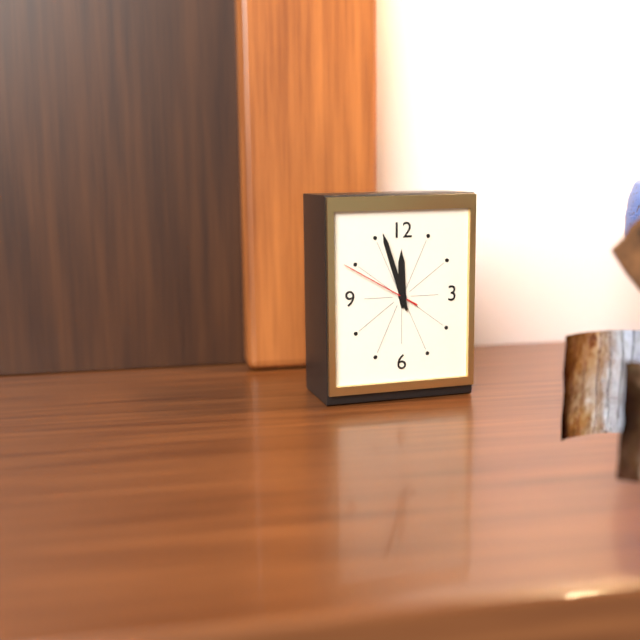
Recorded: 11 h 57 min 50 s
